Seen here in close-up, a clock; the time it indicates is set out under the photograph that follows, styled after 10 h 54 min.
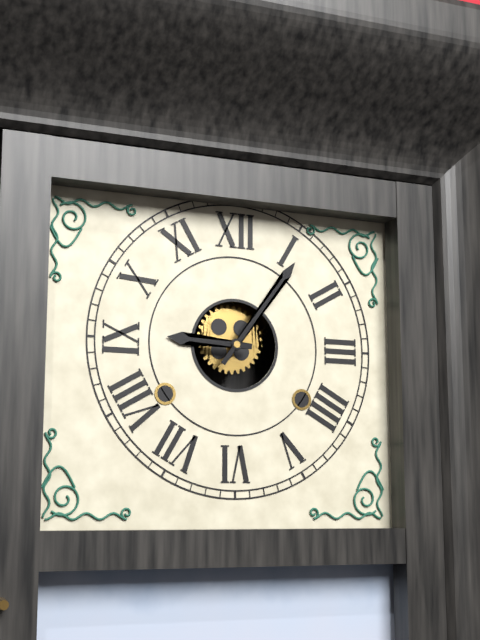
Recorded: 9 h 06 min
